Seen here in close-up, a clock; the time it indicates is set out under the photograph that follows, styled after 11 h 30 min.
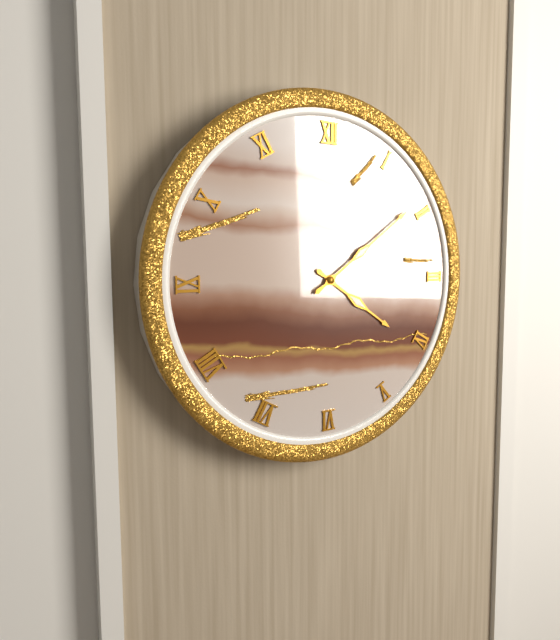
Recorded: 4 h 09 min
